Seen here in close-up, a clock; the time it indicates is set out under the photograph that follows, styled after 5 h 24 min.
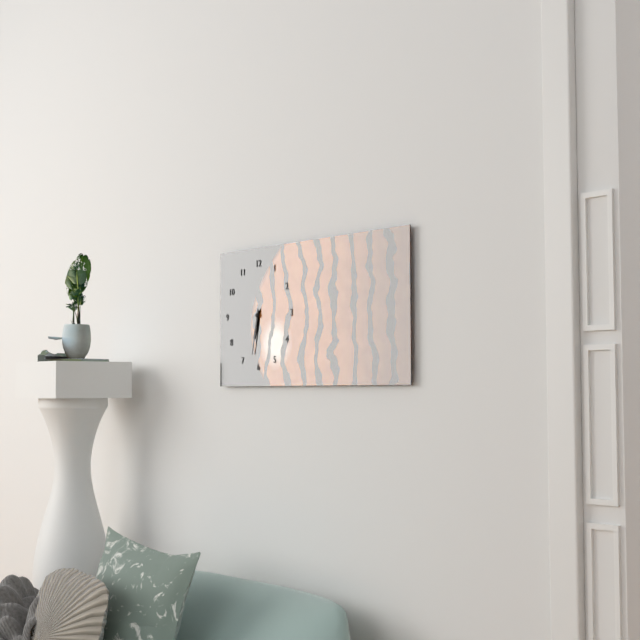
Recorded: 6 h 32 min
